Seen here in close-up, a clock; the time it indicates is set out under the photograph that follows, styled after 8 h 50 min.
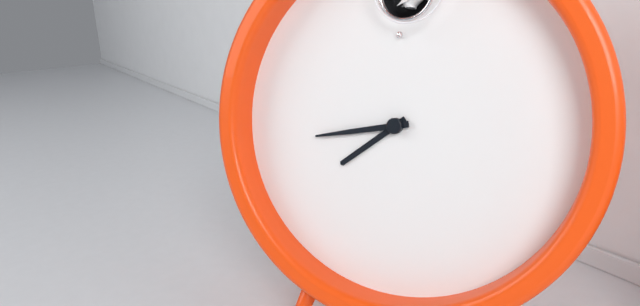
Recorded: 7 h 43 min
